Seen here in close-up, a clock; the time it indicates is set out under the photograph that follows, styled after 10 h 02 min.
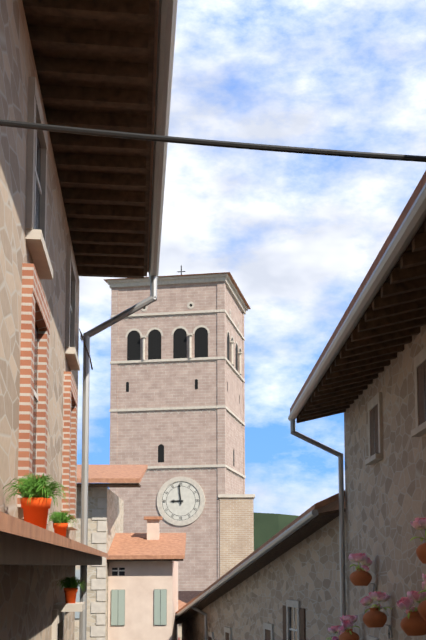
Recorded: 8 h 59 min
